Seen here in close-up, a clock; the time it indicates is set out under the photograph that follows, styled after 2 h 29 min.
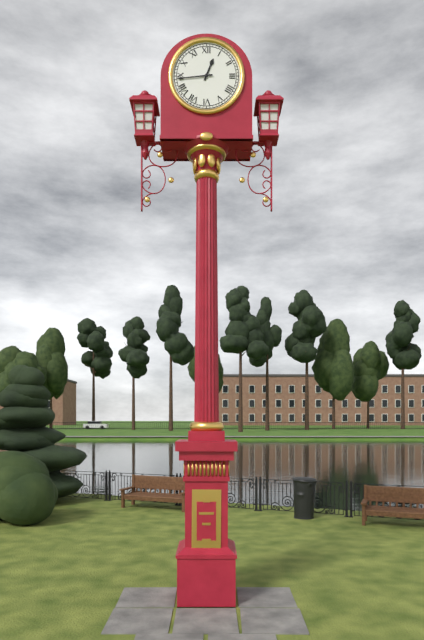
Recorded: 12 h 44 min
